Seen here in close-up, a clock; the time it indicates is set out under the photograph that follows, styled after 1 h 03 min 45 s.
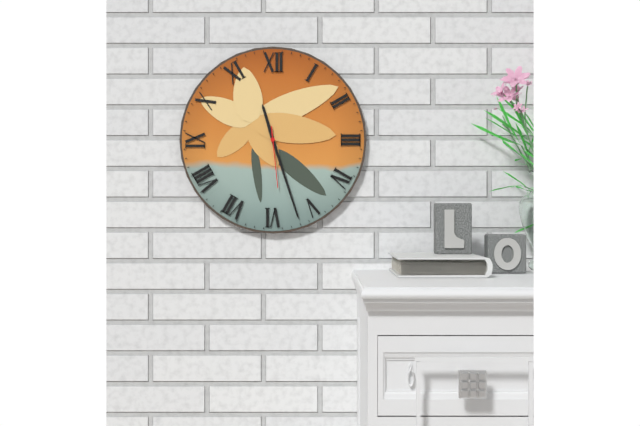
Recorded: 11 h 27 min 29 s
